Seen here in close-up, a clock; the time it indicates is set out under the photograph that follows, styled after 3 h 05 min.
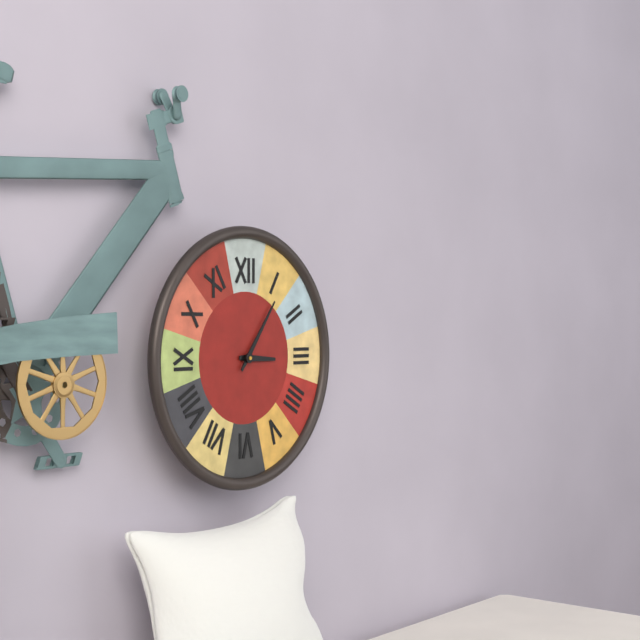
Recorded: 3 h 06 min
